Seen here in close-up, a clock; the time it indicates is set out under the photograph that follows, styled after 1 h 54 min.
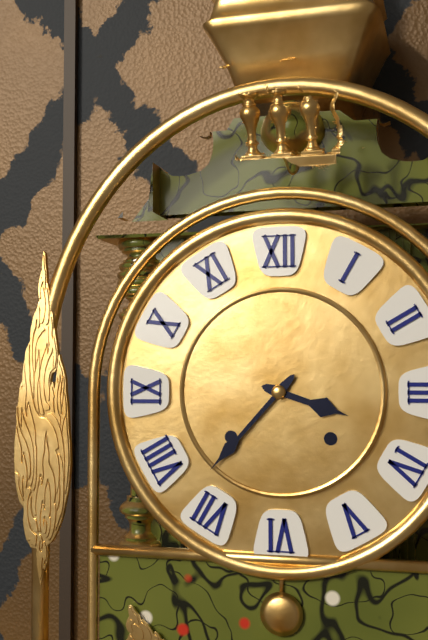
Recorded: 3 h 37 min
